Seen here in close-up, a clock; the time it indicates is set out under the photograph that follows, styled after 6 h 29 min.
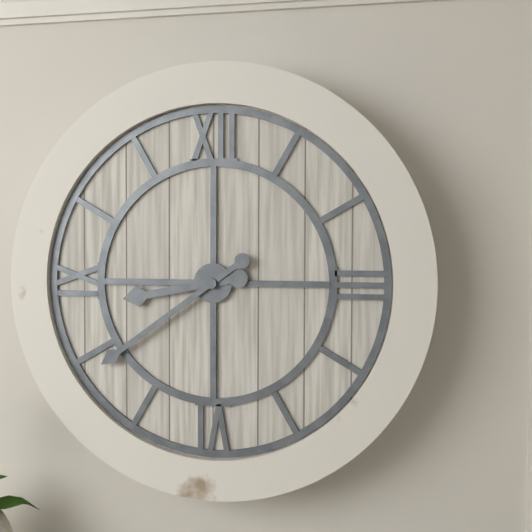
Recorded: 8 h 39 min
